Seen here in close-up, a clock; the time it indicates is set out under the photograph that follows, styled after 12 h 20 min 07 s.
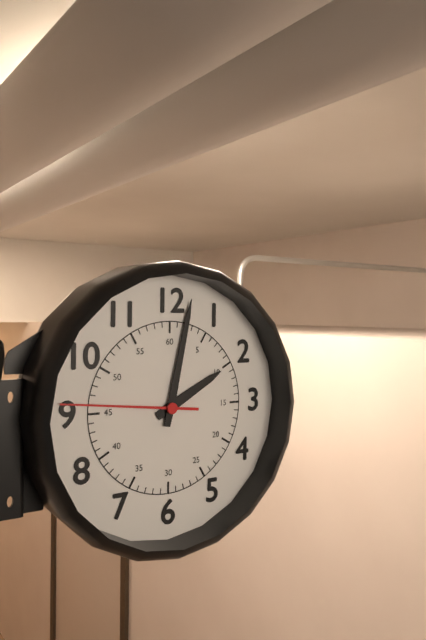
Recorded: 2 h 02 min 46 s
